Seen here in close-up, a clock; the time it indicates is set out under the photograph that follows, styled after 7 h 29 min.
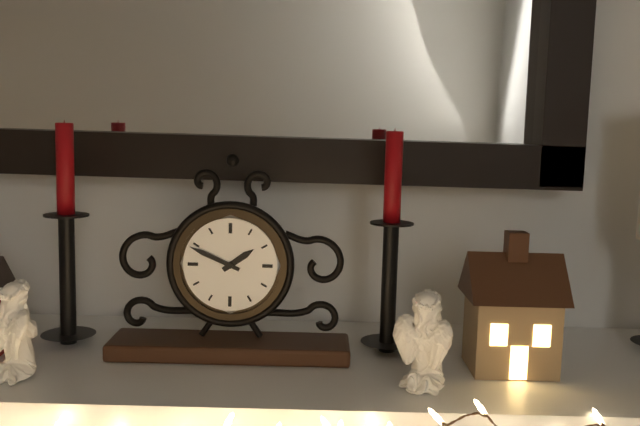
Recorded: 1 h 49 min
